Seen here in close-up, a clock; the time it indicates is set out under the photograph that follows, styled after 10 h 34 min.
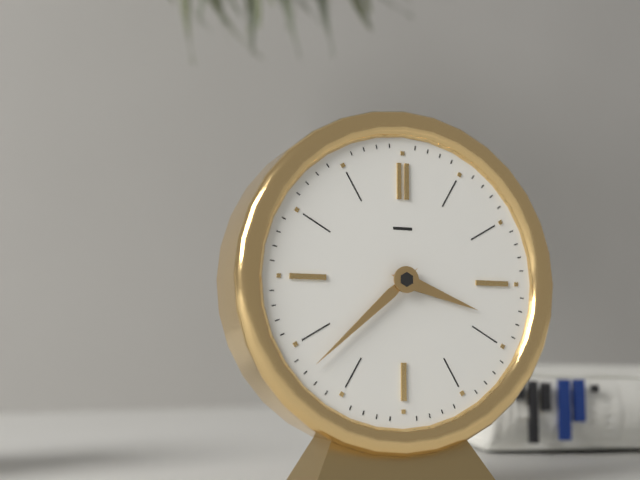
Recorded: 3 h 38 min
